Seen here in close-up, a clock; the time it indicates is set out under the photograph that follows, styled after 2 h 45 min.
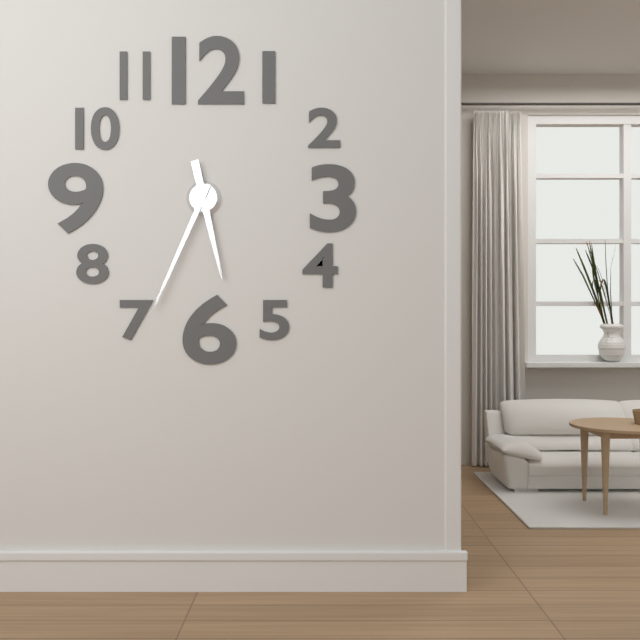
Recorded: 5 h 34 min
